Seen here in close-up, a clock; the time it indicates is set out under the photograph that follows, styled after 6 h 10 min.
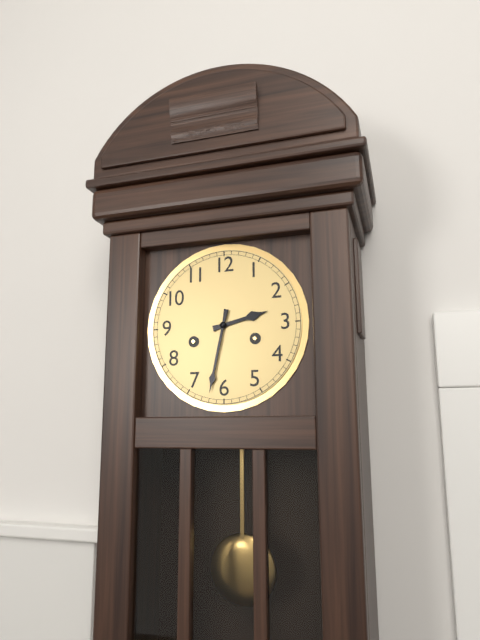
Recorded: 2 h 32 min
